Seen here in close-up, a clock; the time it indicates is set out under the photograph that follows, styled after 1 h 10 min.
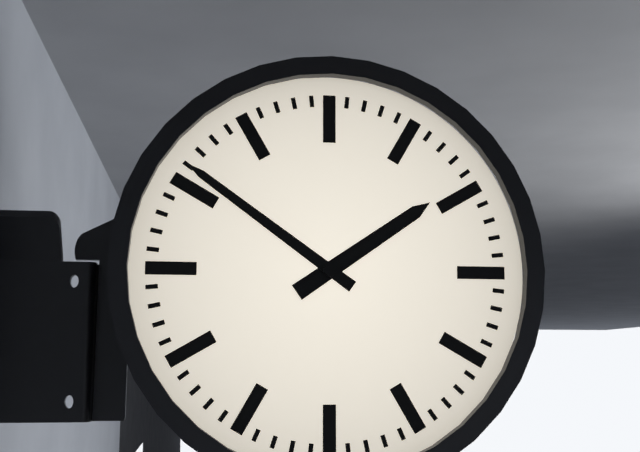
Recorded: 1 h 51 min
